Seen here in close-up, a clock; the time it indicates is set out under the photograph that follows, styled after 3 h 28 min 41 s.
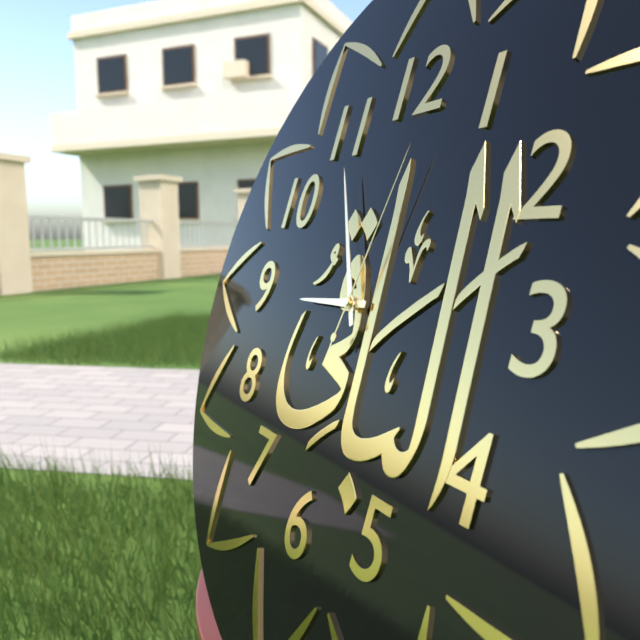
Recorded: 8 h 55 min 02 s
